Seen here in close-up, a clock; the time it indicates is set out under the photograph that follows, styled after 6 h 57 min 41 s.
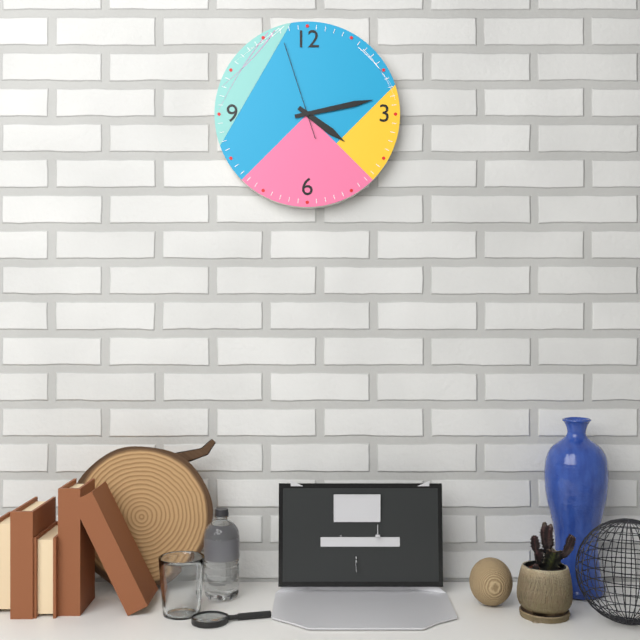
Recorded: 4 h 13 min 57 s
